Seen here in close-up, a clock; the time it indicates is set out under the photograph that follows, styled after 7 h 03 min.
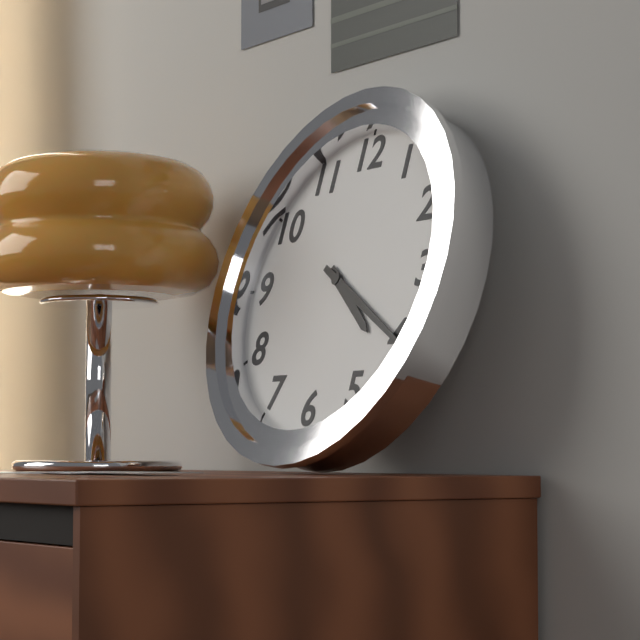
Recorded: 4 h 20 min
